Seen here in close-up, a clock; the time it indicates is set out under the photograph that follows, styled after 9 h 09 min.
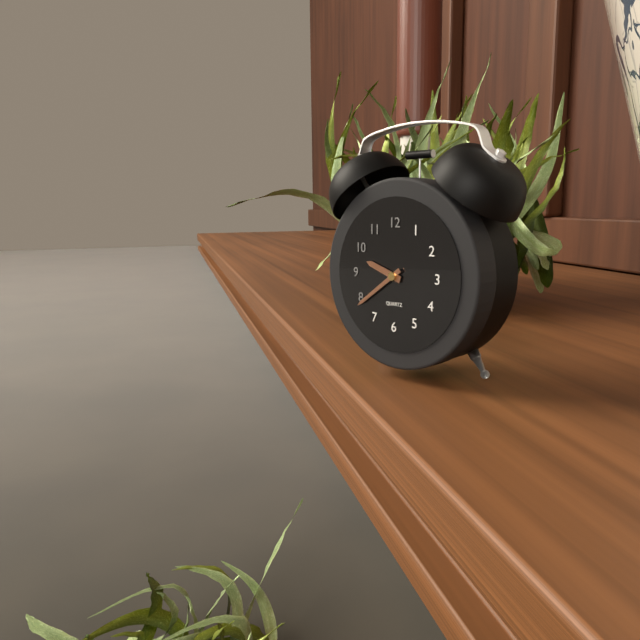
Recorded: 9 h 39 min
